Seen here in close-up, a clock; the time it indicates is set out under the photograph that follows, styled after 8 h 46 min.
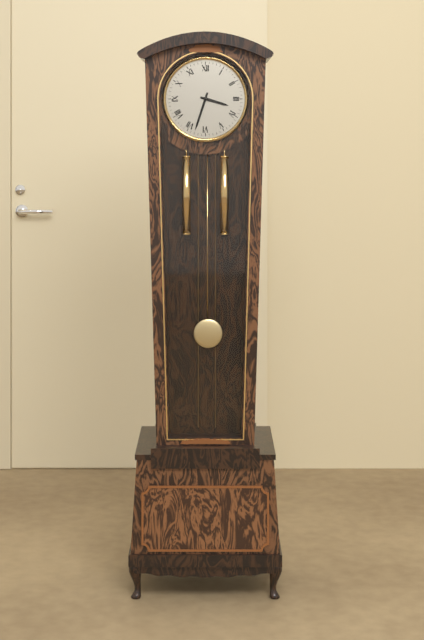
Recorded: 3 h 33 min
